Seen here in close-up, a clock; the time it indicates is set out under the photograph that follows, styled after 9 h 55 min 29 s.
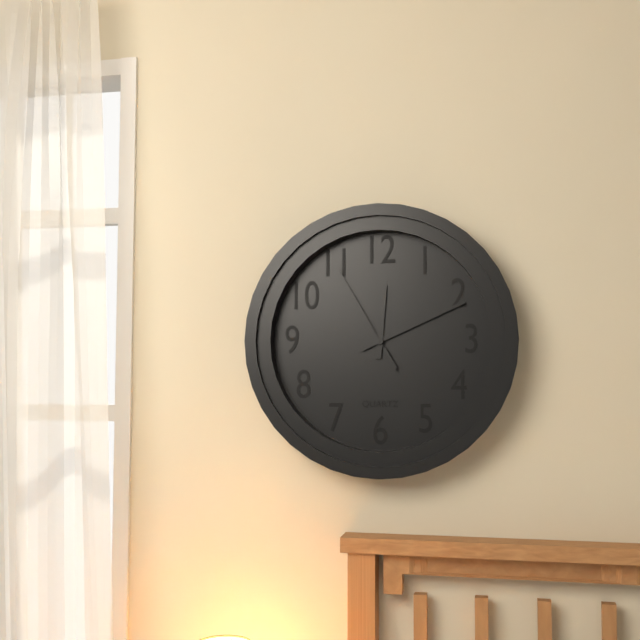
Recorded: 12 h 11 min 55 s
